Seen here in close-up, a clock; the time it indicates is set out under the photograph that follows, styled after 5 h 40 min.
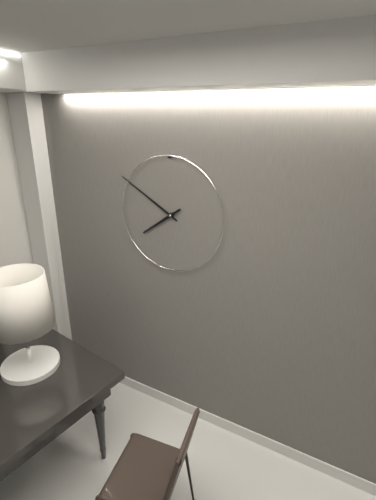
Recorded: 7 h 50 min
